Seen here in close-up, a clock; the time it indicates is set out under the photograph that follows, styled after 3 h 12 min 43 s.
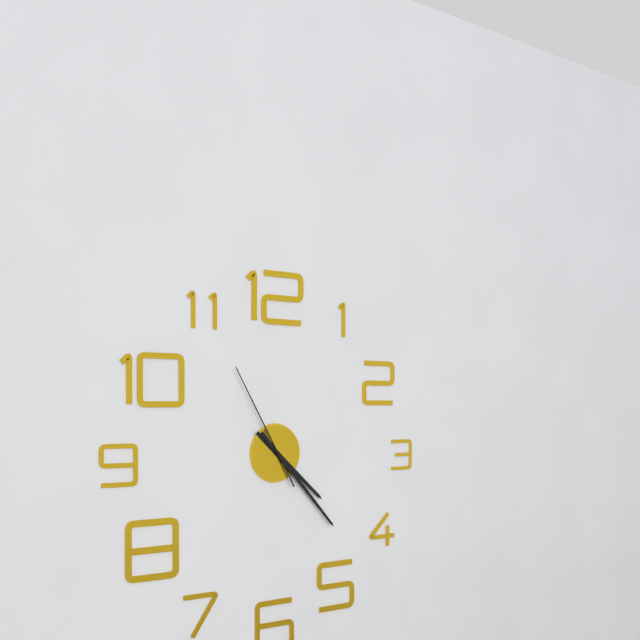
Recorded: 4 h 23 min 55 s
